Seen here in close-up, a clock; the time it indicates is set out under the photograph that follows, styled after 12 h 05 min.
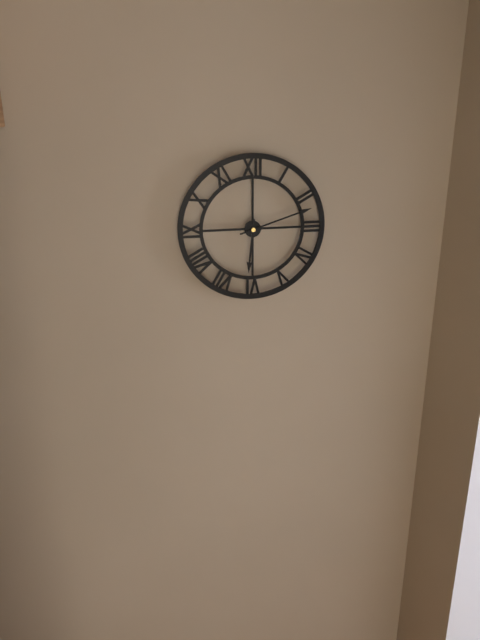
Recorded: 6 h 12 min
